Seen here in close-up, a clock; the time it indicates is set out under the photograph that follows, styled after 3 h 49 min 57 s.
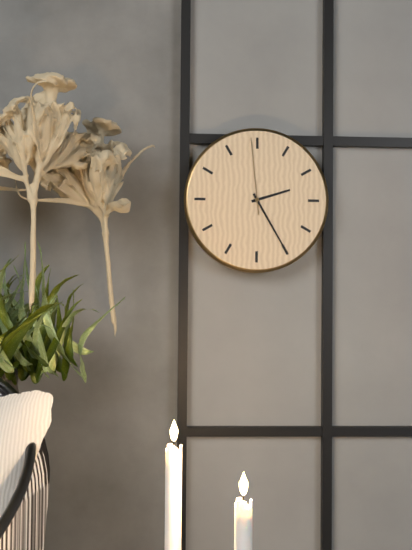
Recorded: 2 h 25 min 59 s
